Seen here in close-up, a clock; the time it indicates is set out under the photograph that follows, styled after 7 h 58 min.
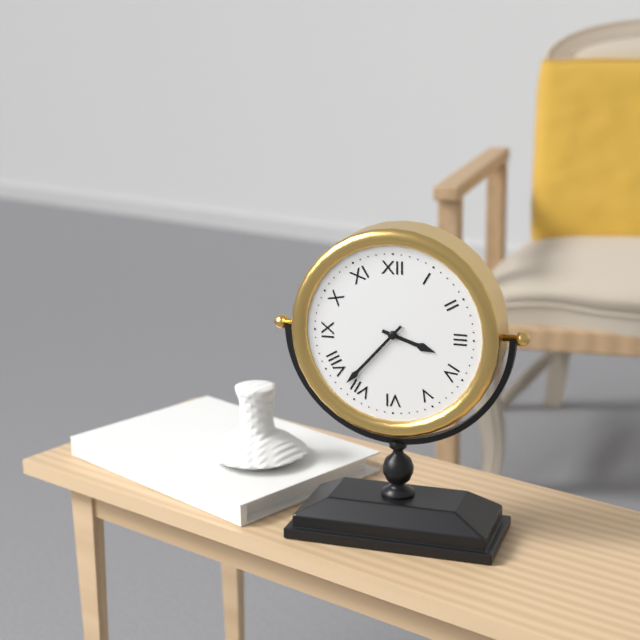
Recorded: 3 h 37 min
